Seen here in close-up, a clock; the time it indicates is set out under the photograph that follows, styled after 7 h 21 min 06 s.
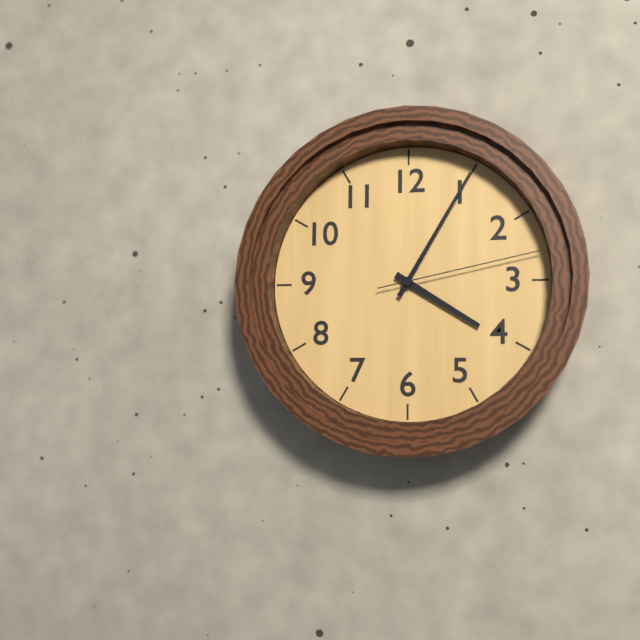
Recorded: 4 h 05 min 13 s
